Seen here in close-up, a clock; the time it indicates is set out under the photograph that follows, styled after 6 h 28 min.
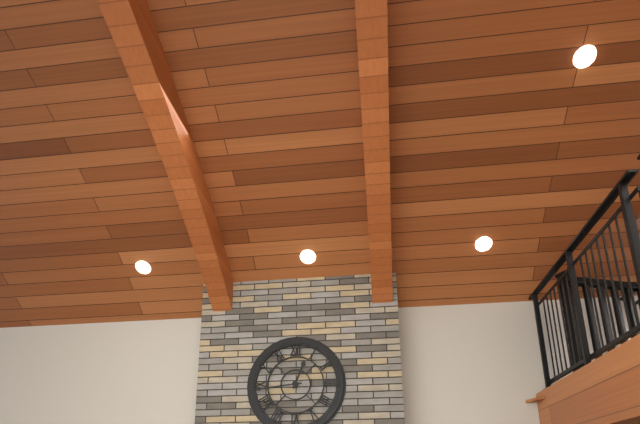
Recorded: 12 h 44 min
